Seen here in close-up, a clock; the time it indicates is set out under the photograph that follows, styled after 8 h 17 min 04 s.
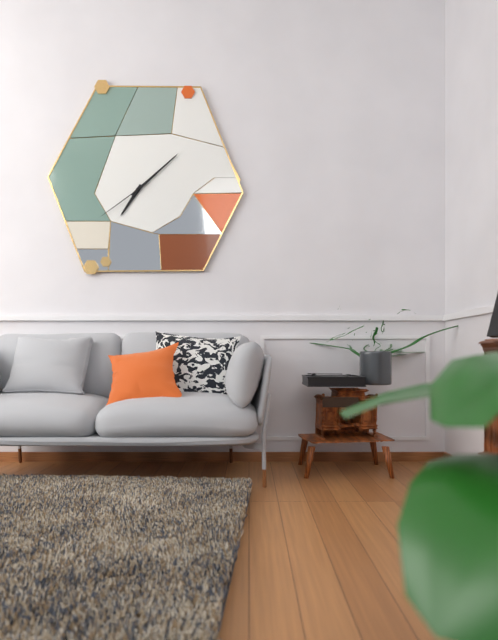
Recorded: 7 h 08 min 39 s
